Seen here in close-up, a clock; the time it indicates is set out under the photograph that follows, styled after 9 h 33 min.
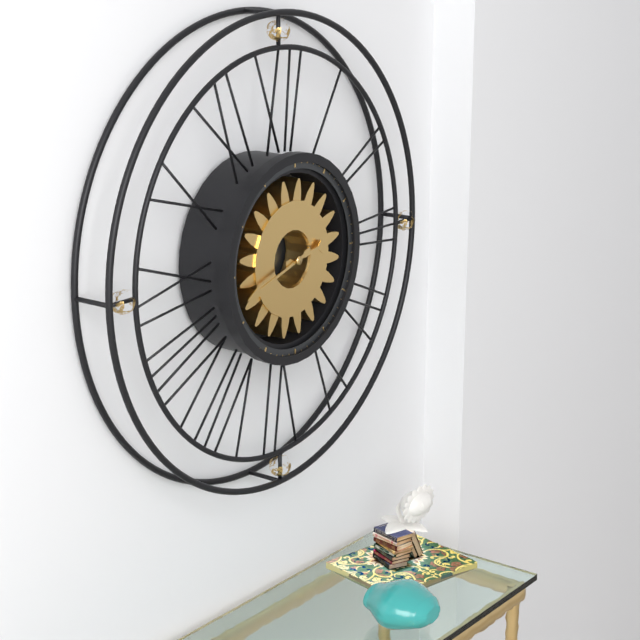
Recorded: 2 h 42 min
